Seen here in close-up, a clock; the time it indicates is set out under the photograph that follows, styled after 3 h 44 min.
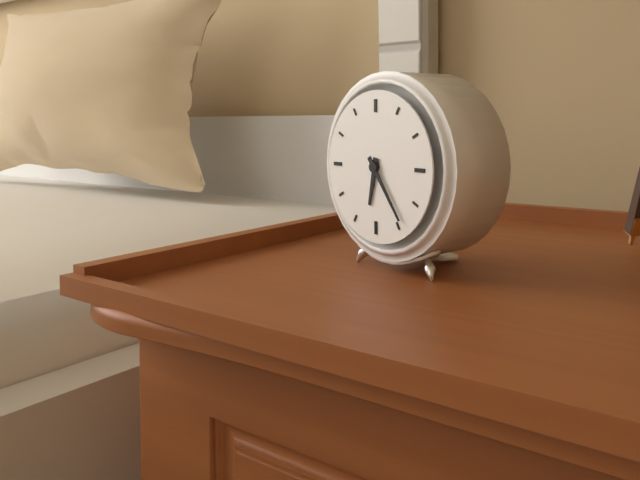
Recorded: 6 h 24 min
